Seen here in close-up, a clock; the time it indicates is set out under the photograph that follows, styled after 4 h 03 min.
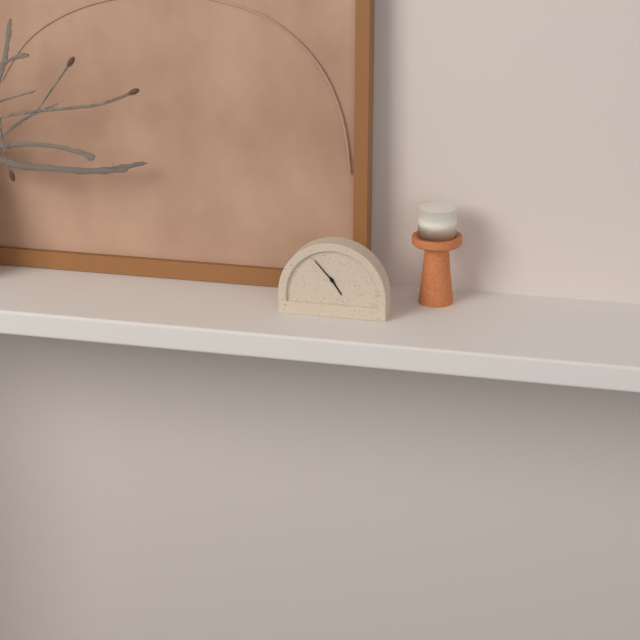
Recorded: 4 h 53 min
